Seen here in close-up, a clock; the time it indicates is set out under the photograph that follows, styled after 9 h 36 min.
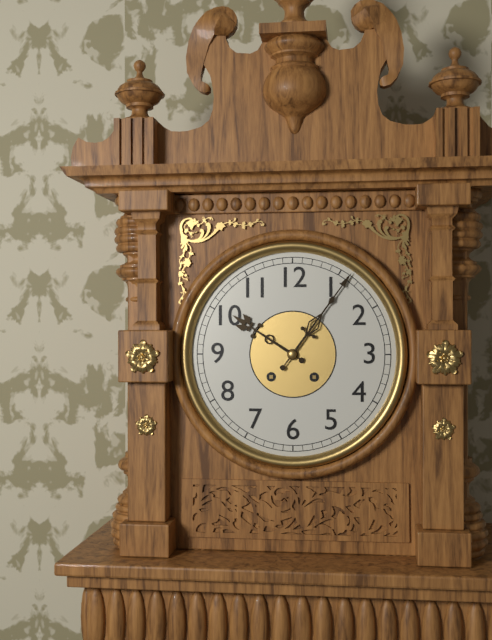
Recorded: 10 h 06 min
